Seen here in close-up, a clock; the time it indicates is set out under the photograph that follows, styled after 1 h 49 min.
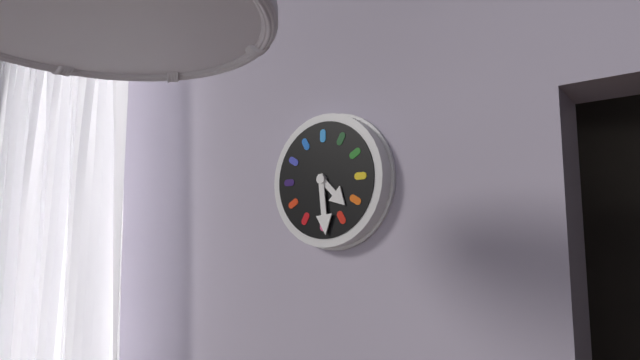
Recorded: 4 h 29 min
